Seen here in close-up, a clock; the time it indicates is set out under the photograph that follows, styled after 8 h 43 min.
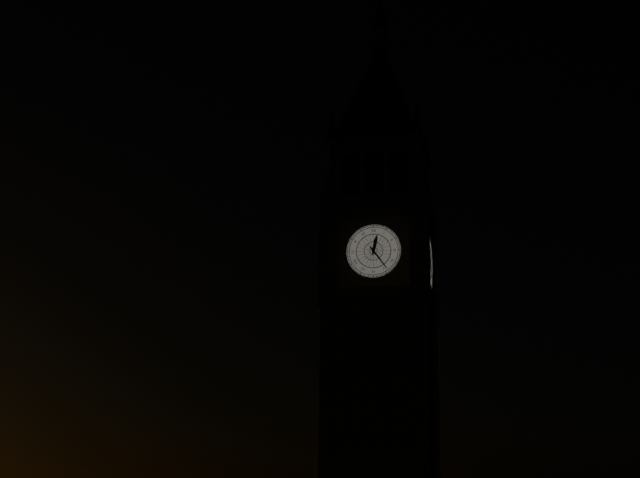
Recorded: 12 h 24 min
